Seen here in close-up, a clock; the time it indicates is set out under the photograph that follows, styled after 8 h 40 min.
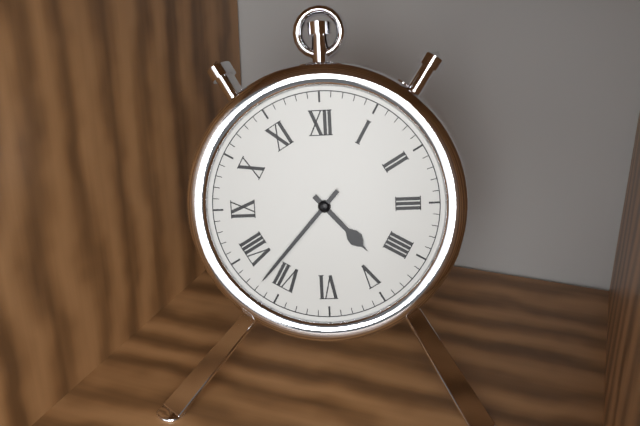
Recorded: 4 h 37 min
